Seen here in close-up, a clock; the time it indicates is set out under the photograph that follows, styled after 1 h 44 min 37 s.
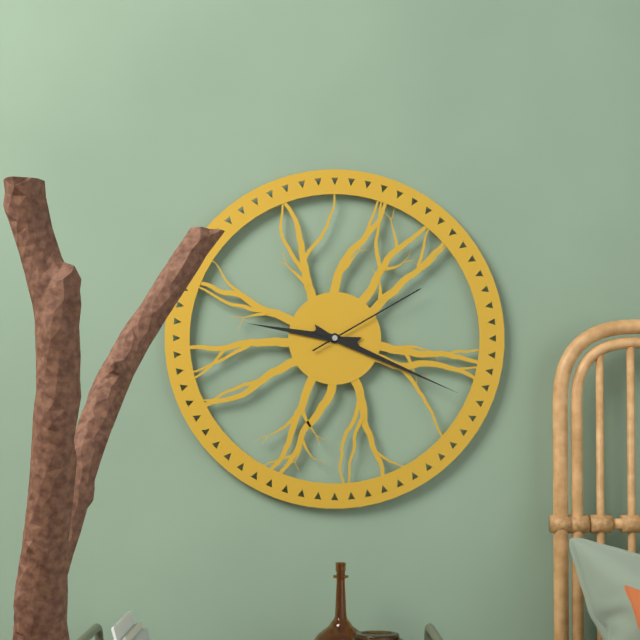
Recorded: 9 h 19 min 10 s
